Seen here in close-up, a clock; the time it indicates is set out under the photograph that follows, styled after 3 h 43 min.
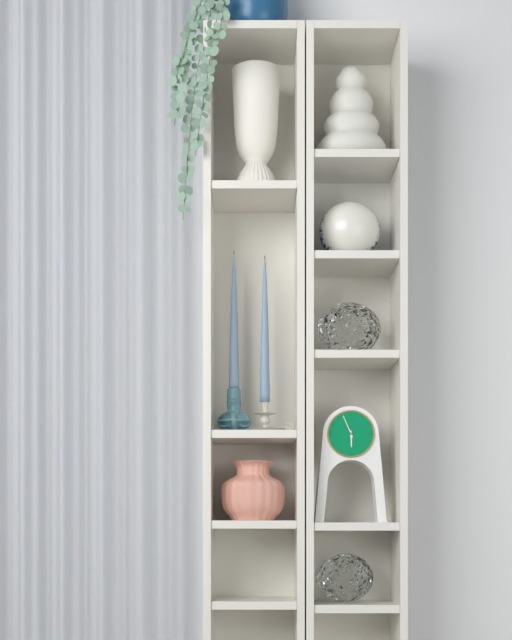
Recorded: 5 h 56 min
